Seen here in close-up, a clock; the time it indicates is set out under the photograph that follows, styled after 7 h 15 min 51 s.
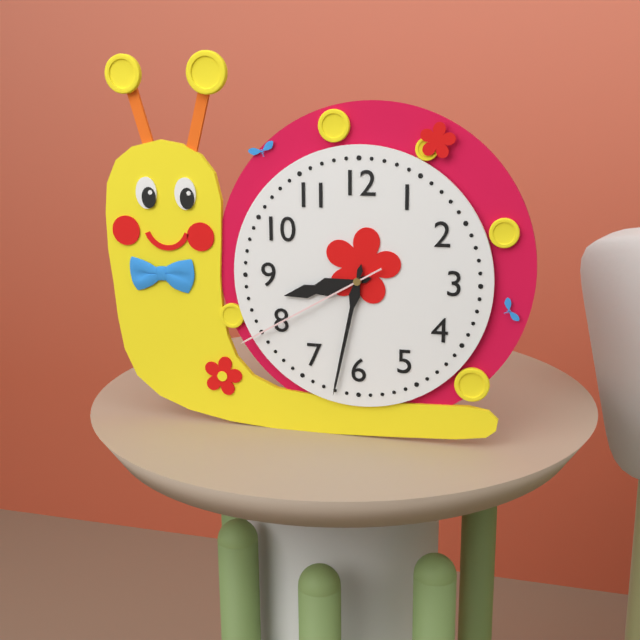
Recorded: 8 h 32 min 40 s
